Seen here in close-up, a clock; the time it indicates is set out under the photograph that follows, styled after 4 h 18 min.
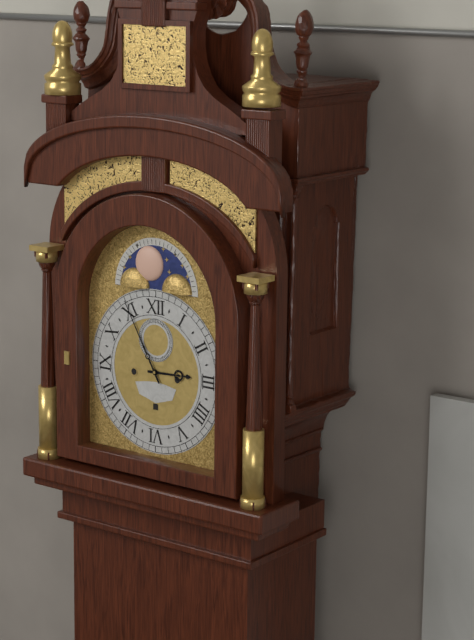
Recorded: 2 h 55 min
